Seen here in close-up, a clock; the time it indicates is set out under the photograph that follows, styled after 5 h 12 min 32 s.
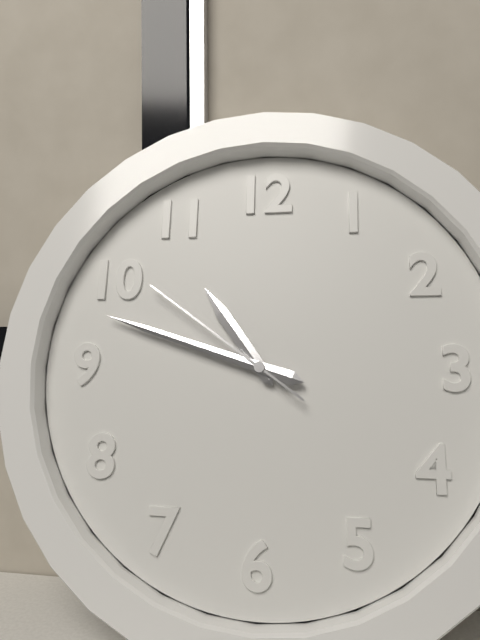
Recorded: 10 h 48 min 51 s
